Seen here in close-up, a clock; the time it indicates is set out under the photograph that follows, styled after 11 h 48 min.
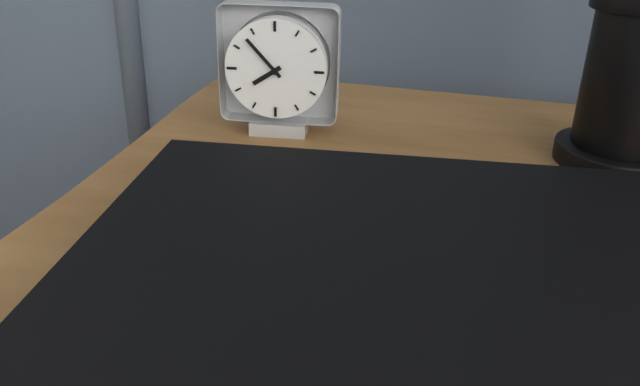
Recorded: 7 h 53 min
